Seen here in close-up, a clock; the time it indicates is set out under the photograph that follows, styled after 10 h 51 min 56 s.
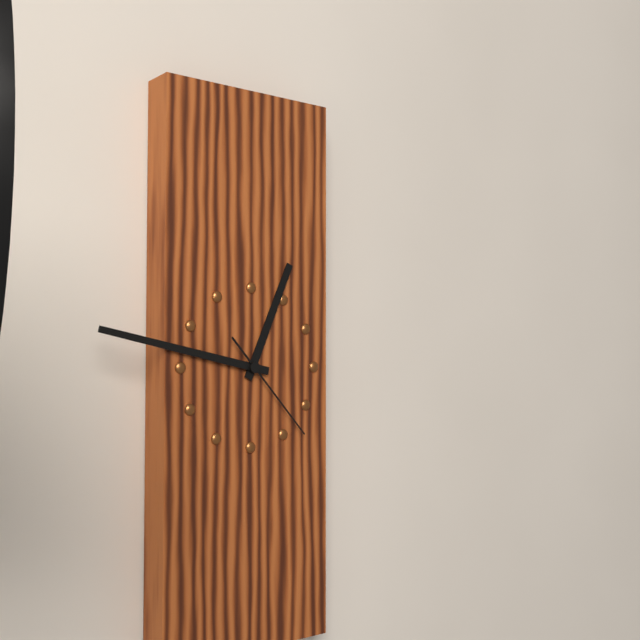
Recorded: 12 h 47 min 23 s
